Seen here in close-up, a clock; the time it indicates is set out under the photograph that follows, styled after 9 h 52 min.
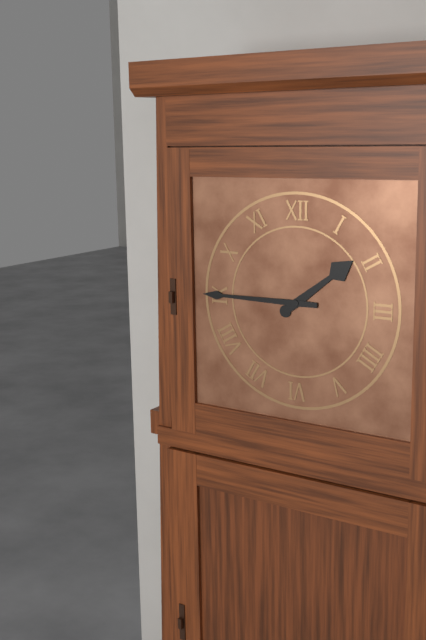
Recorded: 1 h 45 min
